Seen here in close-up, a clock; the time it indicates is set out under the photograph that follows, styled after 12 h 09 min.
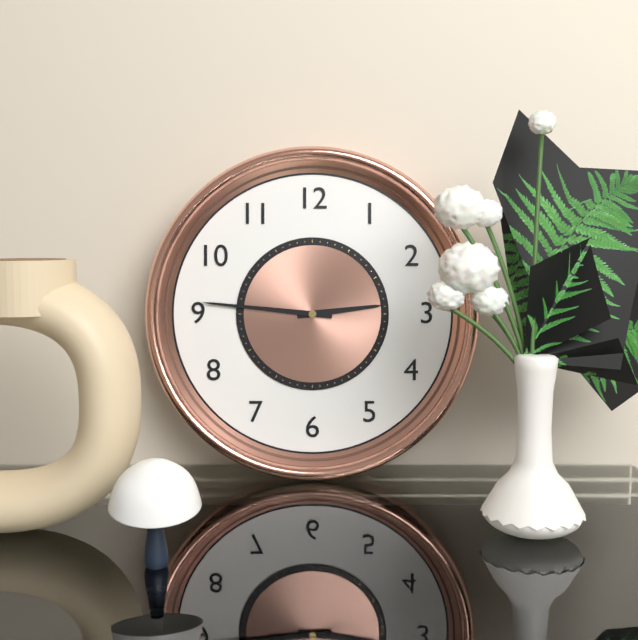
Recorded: 2 h 46 min
